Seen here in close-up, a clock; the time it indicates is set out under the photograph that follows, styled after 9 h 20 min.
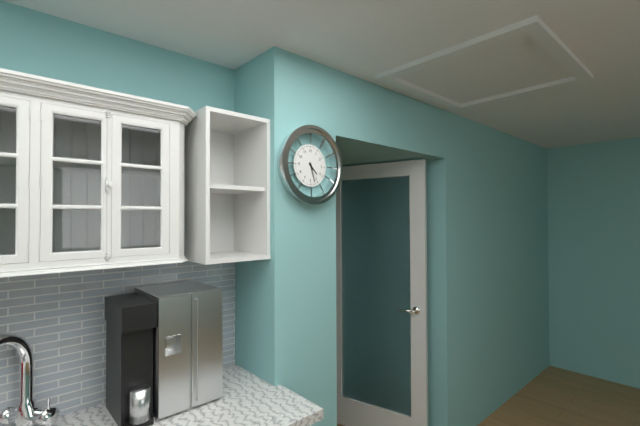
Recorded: 4 h 27 min
